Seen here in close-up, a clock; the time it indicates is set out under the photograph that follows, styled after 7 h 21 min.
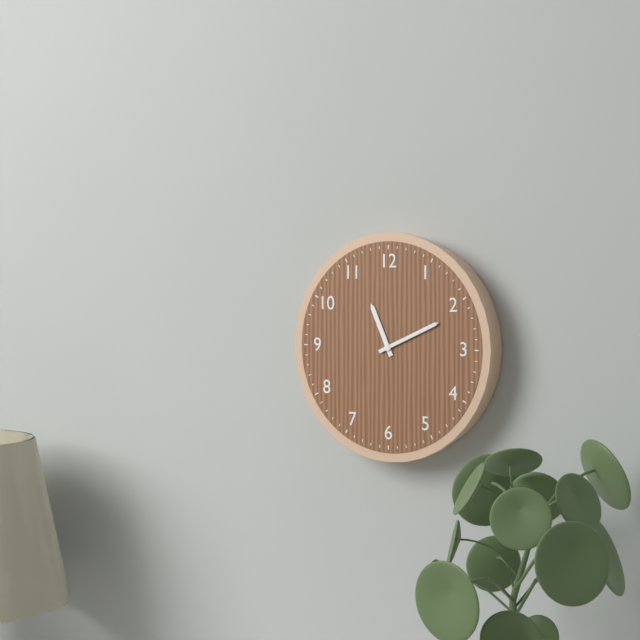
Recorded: 11 h 11 min
